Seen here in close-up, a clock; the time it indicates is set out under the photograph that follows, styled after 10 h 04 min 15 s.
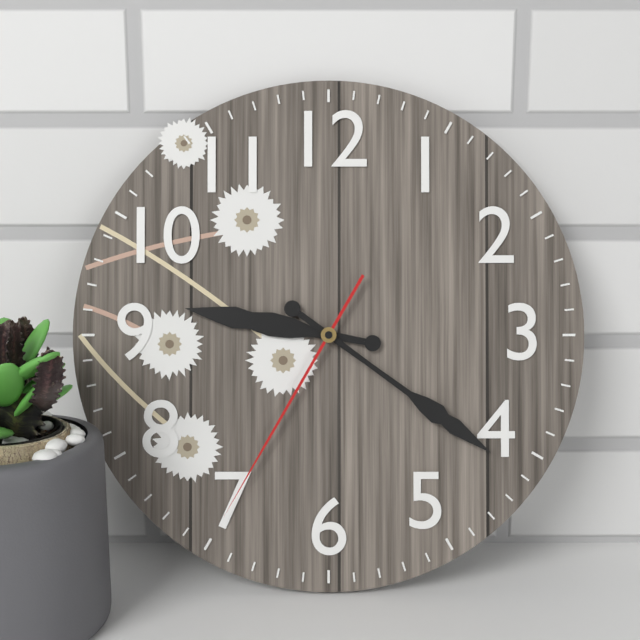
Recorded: 9 h 21 min 35 s
